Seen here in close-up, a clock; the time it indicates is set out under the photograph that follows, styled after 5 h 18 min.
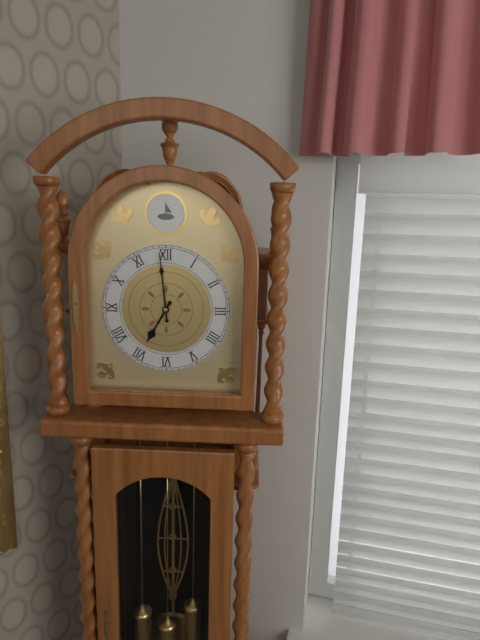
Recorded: 6 h 59 min
